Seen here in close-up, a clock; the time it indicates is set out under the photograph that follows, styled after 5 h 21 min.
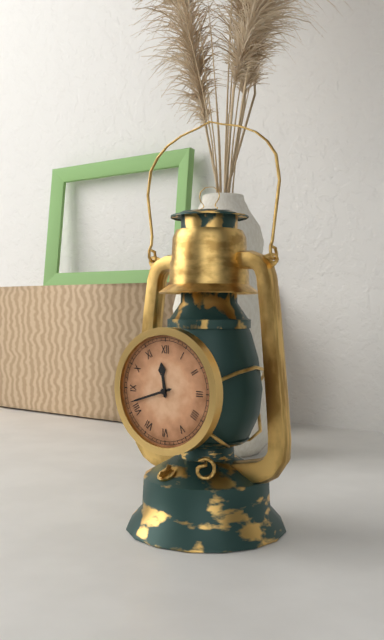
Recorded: 11 h 42 min
